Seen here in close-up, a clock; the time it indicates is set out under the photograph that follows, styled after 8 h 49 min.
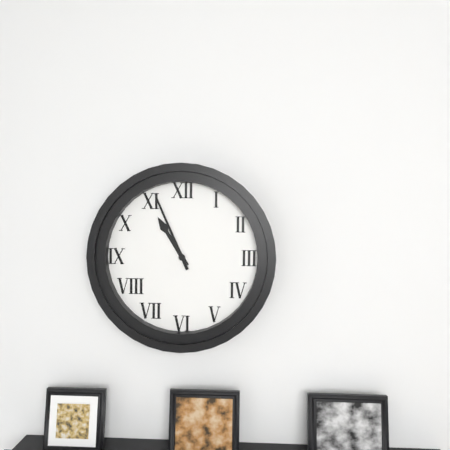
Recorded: 10 h 56 min
